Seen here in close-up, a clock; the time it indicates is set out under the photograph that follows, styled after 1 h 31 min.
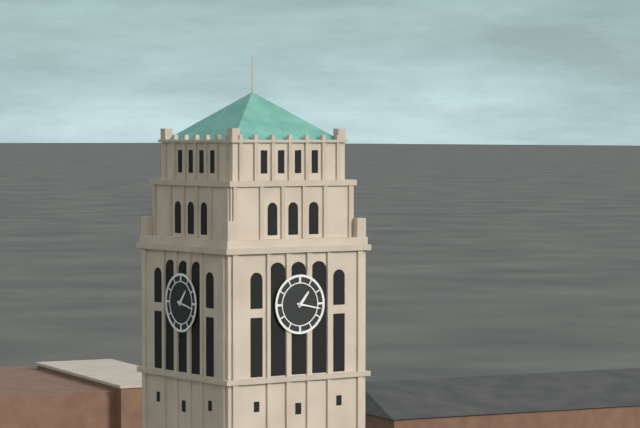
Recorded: 1 h 17 min
